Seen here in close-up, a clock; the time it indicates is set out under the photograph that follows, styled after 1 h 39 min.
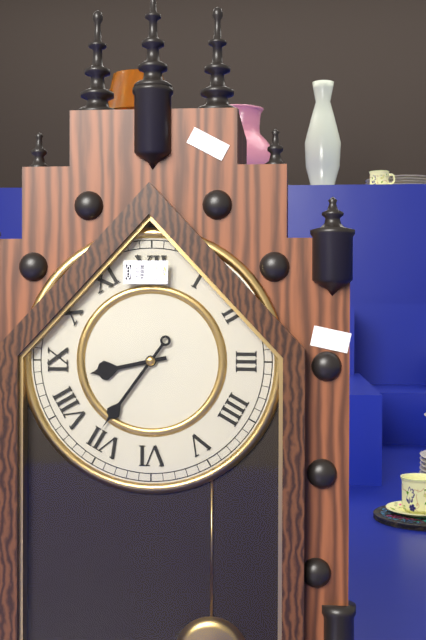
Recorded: 8 h 36 min
